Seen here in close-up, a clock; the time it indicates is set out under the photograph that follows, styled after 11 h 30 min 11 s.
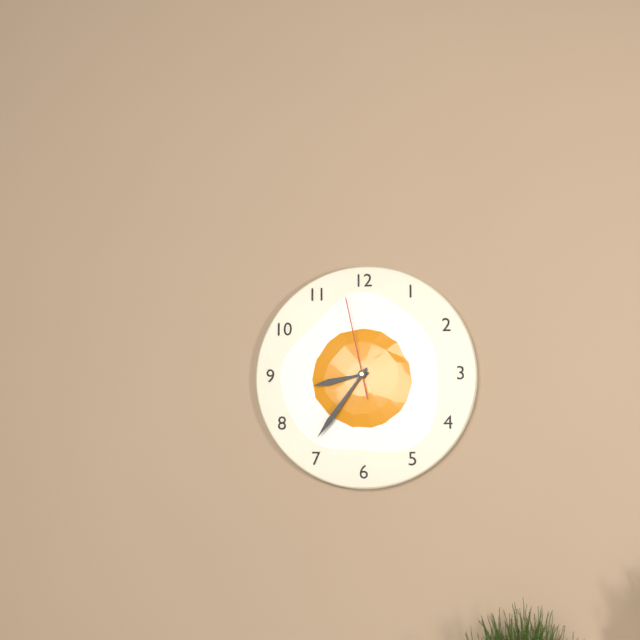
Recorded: 8 h 36 min 58 s
